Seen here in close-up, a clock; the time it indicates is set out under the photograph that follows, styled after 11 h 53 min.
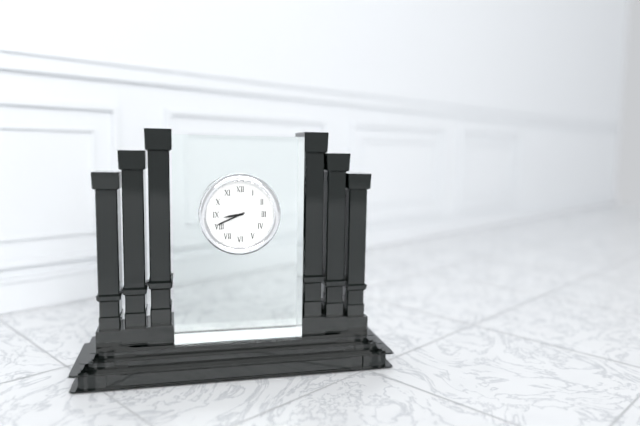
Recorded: 8 h 41 min
